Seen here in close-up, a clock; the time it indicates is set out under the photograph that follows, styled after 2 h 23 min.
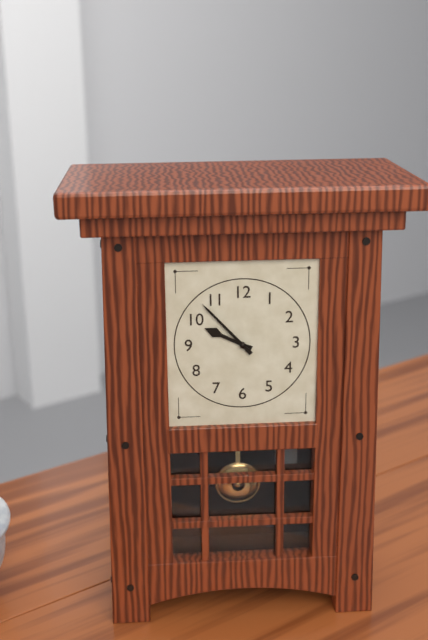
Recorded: 9 h 53 min
